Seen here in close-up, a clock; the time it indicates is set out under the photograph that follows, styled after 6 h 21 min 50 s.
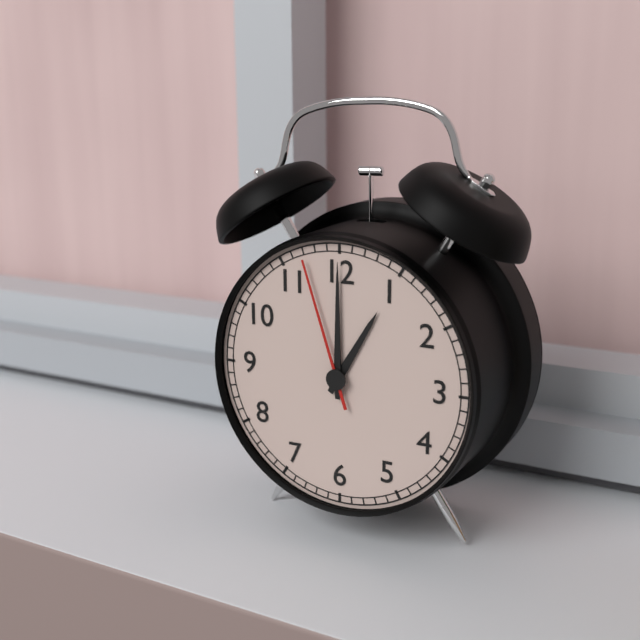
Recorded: 1 h 00 min 57 s
